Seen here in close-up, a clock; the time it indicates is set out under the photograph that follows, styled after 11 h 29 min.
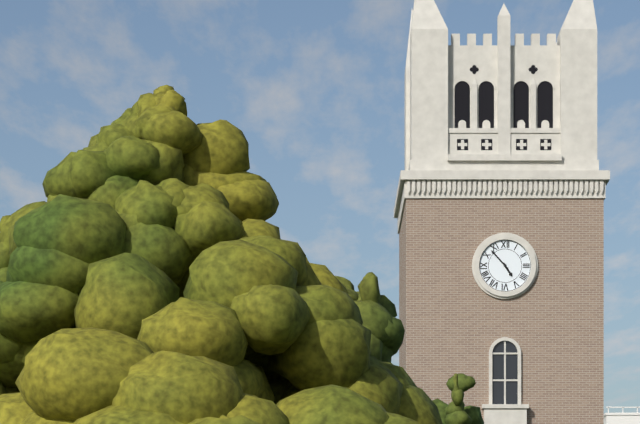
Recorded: 4 h 53 min
